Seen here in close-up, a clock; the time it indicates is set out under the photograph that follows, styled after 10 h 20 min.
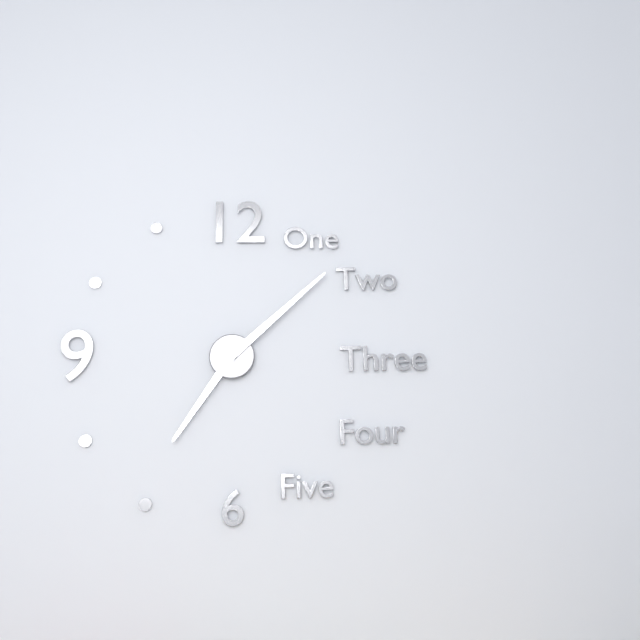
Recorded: 7 h 08 min
